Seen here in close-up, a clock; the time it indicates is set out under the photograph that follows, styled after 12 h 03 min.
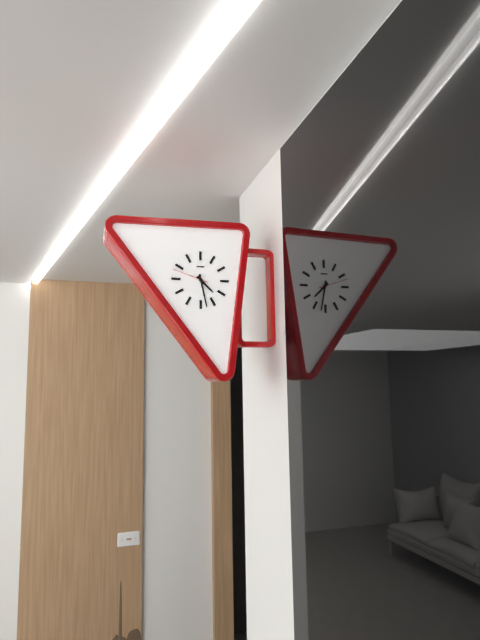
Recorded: 4 h 28 min
